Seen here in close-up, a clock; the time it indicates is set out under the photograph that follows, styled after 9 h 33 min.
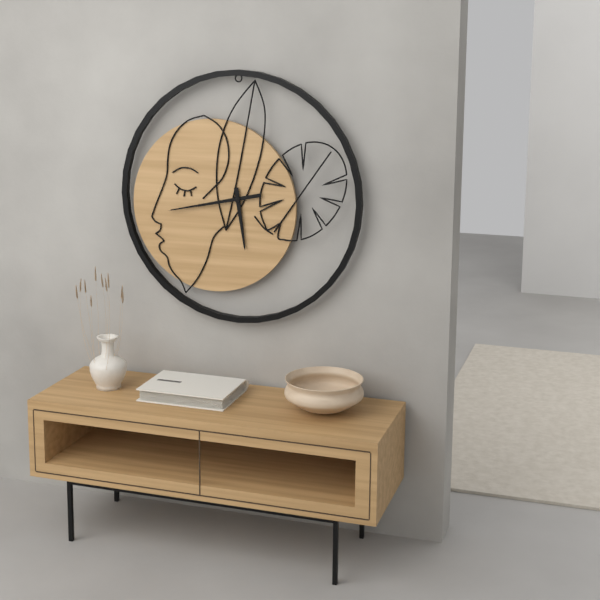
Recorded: 5 h 43 min
